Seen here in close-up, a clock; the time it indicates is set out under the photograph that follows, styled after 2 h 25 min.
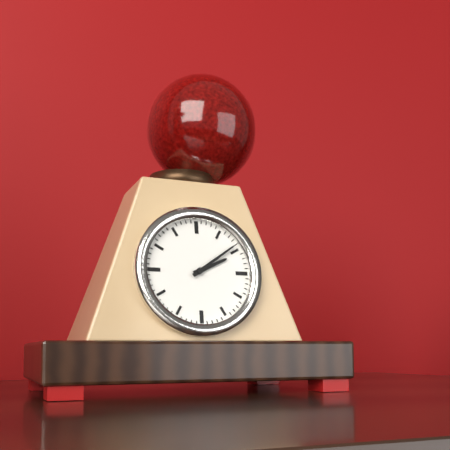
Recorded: 2 h 09 min
